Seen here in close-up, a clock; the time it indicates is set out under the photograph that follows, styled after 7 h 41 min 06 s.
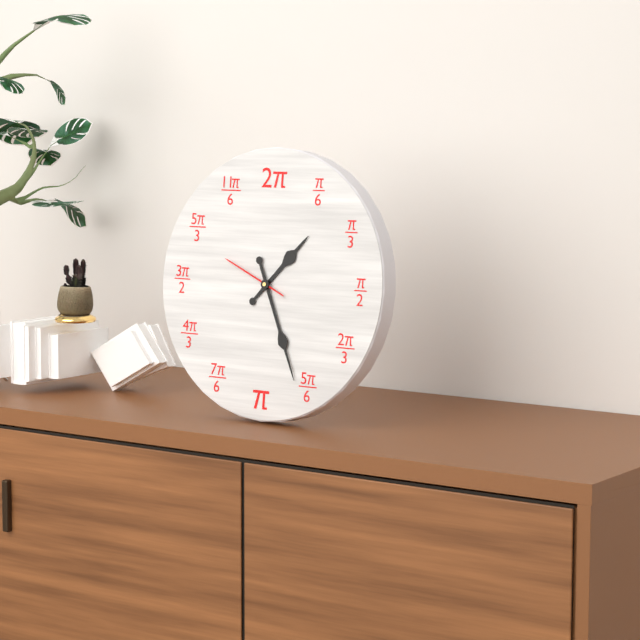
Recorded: 1 h 26 min 49 s
